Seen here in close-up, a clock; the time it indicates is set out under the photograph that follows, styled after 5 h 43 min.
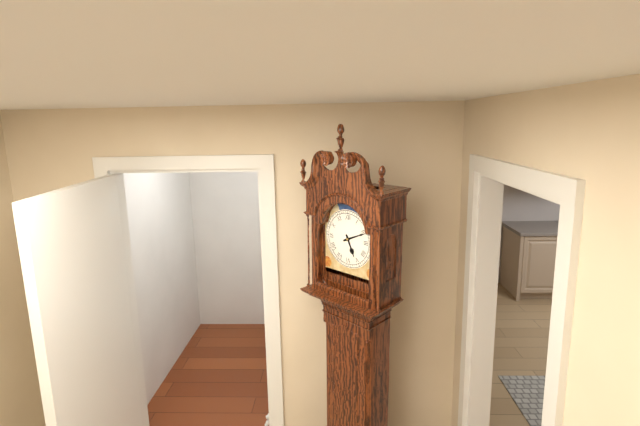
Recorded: 5 h 11 min
